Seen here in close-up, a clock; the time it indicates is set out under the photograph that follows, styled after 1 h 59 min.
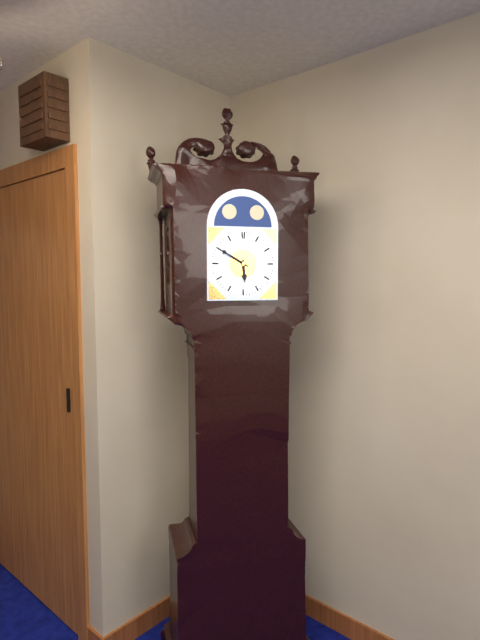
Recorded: 5 h 50 min
